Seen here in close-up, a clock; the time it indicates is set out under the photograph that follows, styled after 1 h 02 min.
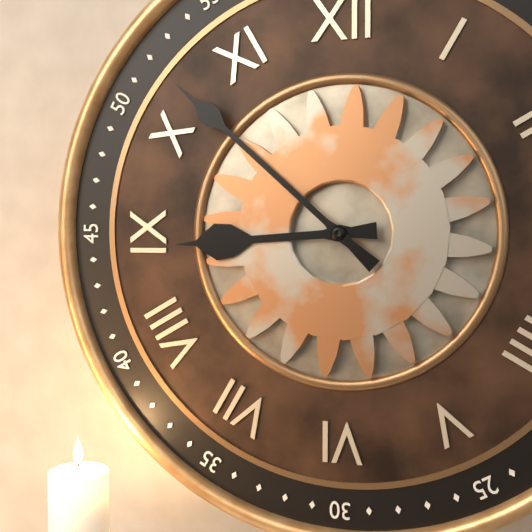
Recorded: 8 h 52 min
